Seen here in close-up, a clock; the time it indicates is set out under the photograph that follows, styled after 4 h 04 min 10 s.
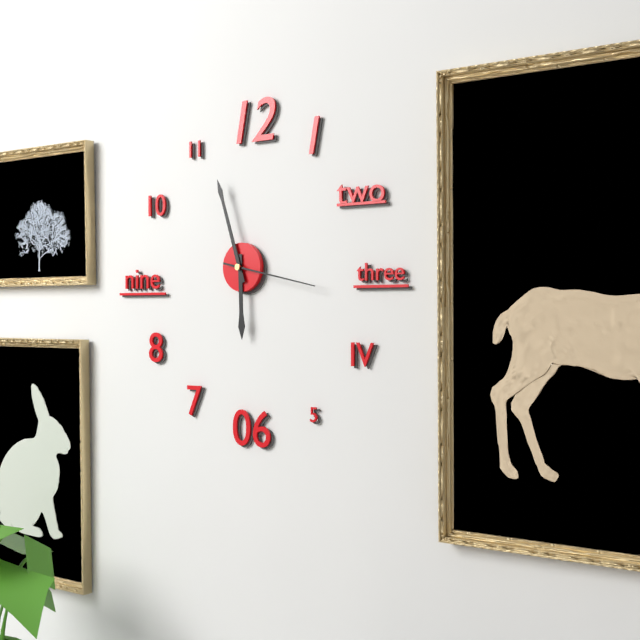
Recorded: 5 h 57 min 17 s
